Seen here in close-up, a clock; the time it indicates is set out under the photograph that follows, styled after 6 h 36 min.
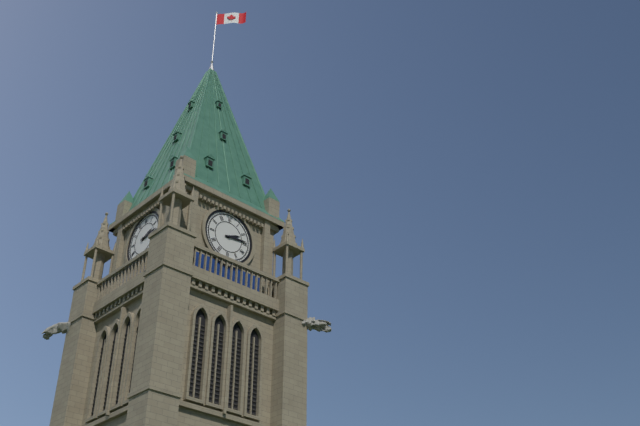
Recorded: 2 h 14 min
